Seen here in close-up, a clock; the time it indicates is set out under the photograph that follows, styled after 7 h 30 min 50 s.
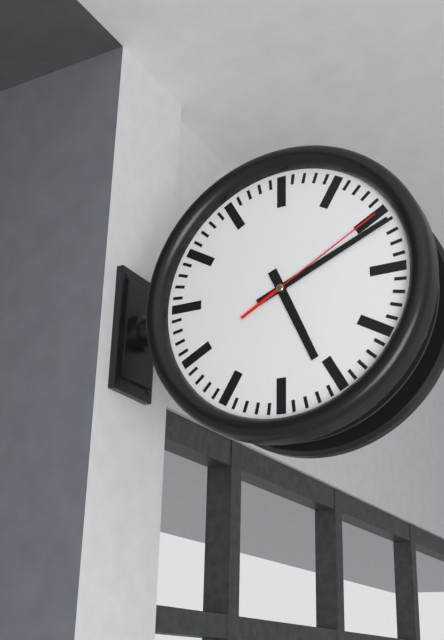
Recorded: 5 h 11 min 10 s
